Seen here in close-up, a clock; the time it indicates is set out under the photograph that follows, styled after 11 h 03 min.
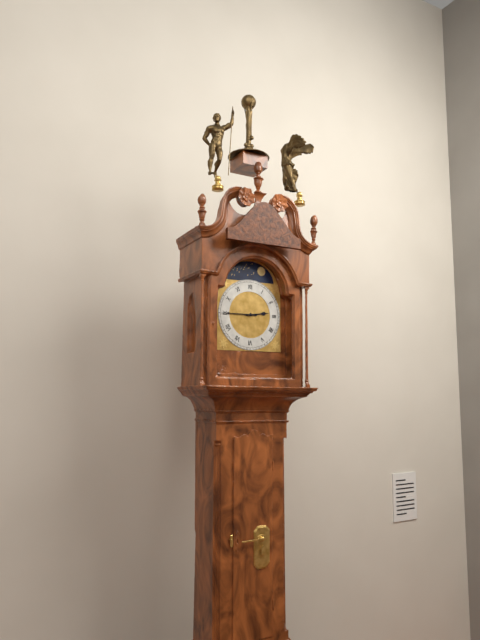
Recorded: 2 h 45 min
